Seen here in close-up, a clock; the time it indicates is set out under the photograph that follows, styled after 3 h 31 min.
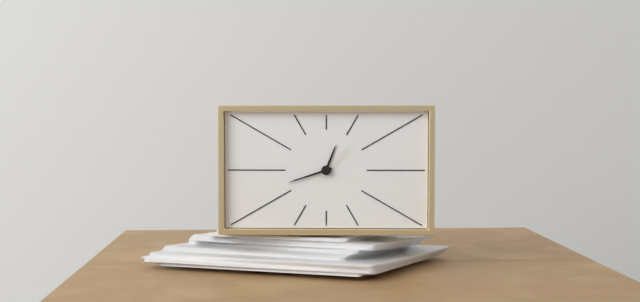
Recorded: 12 h 42 min
